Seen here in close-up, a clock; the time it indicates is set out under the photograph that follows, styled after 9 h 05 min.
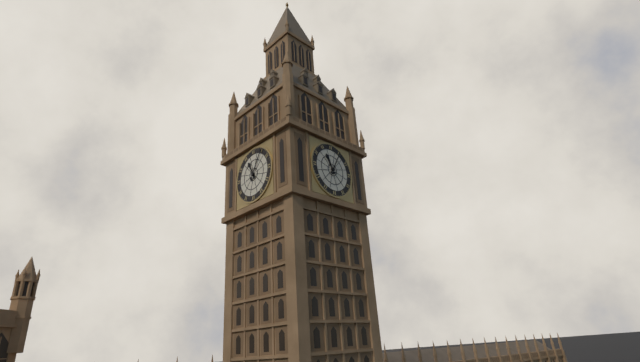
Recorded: 11 h 05 min
